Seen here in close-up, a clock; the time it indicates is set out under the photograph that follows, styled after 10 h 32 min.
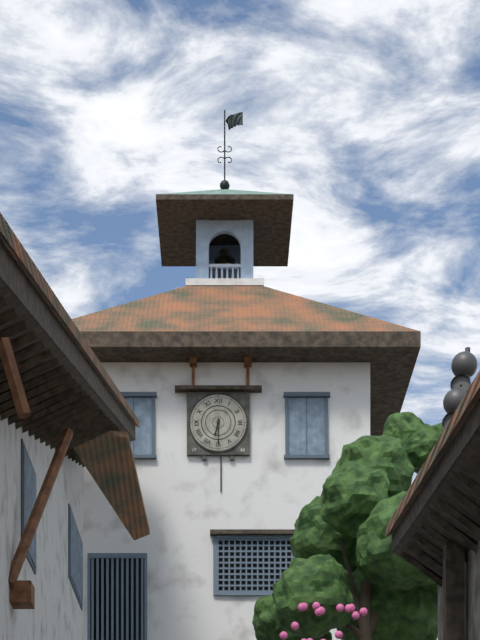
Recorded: 6 h 30 min
